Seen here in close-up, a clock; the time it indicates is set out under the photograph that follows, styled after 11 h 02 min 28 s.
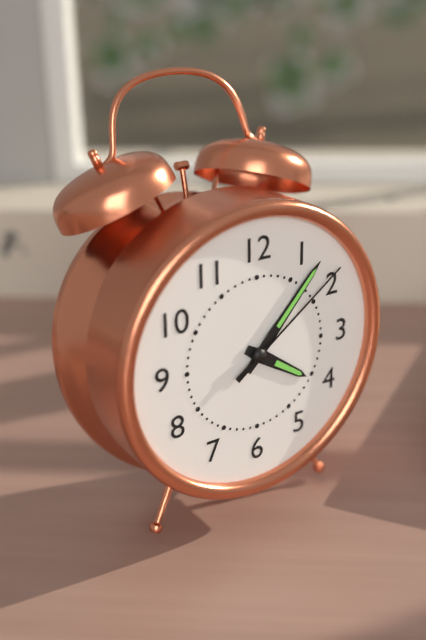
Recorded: 4 h 07 min 09 s
